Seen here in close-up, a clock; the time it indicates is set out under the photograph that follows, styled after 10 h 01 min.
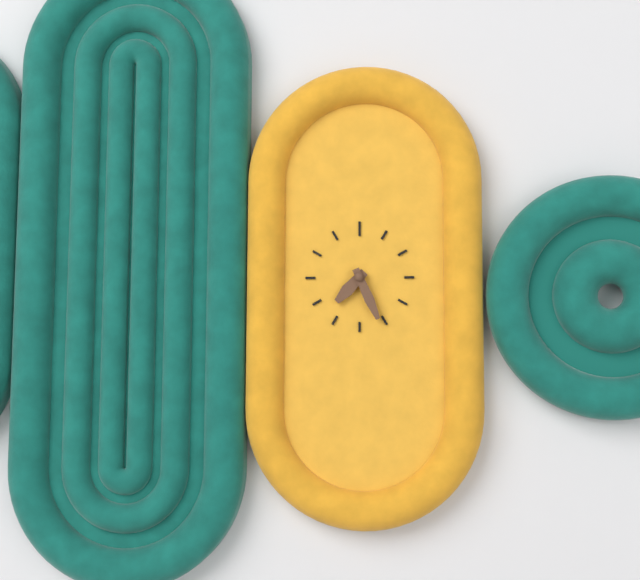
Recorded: 7 h 26 min
